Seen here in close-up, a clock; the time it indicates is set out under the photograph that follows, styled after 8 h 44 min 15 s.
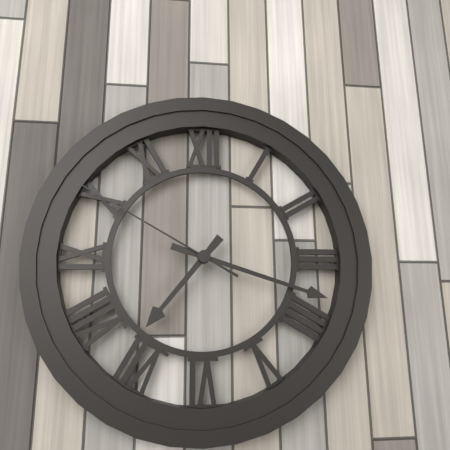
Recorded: 7 h 18 min 50 s
